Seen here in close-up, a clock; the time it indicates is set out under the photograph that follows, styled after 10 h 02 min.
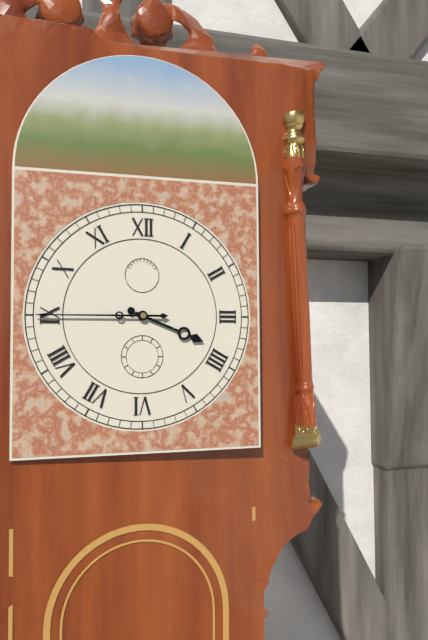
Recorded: 3 h 45 min
